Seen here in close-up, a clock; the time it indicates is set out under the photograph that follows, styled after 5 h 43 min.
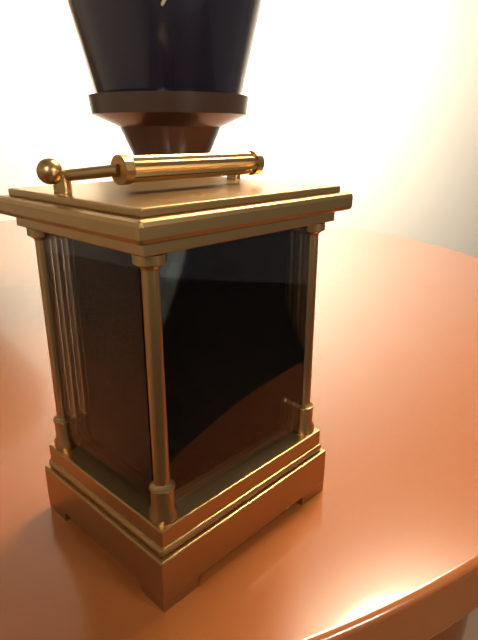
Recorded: 4 h 54 min
